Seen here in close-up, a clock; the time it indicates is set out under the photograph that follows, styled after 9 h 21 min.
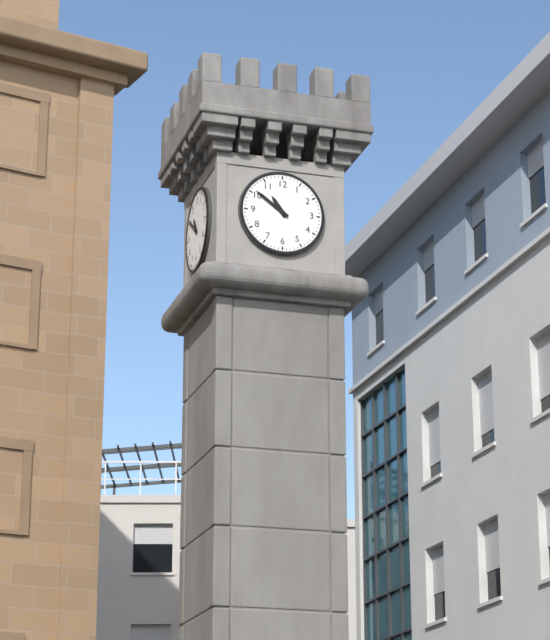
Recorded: 10 h 51 min
